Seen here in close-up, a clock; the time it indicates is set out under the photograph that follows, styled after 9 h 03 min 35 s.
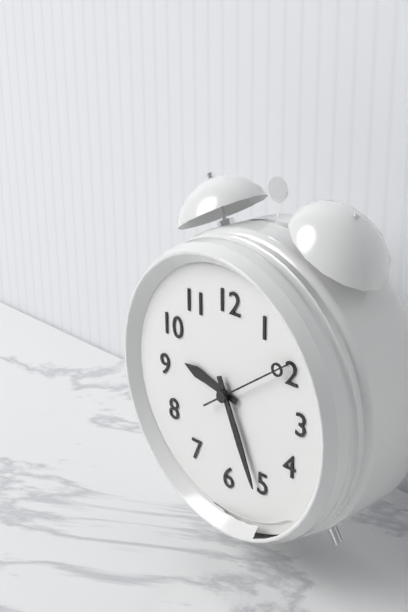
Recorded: 9 h 26 min 09 s
